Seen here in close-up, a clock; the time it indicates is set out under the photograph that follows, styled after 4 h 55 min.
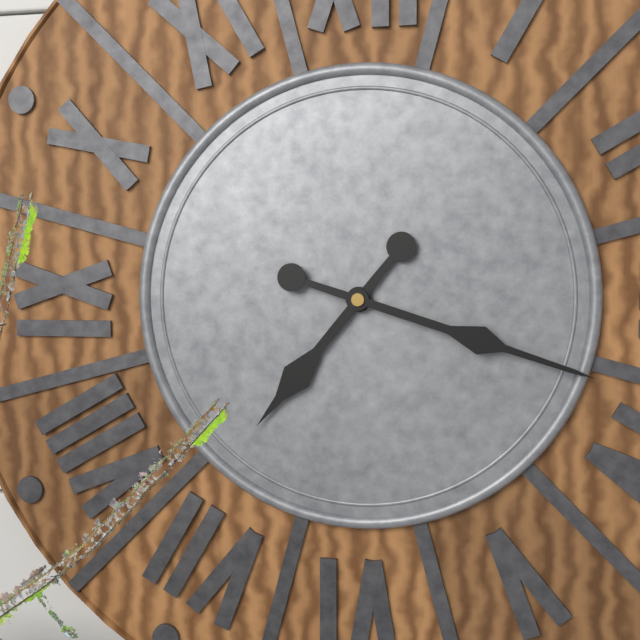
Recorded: 7 h 18 min
